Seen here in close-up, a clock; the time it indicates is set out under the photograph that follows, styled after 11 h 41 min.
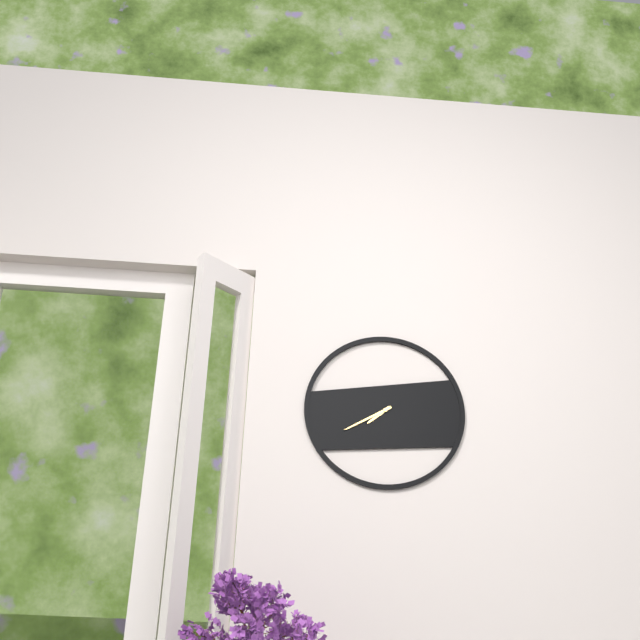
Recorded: 7 h 40 min
